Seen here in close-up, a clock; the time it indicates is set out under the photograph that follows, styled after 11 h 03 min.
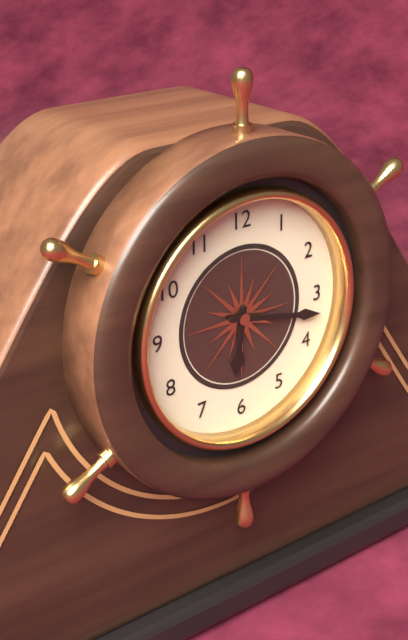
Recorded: 6 h 17 min
